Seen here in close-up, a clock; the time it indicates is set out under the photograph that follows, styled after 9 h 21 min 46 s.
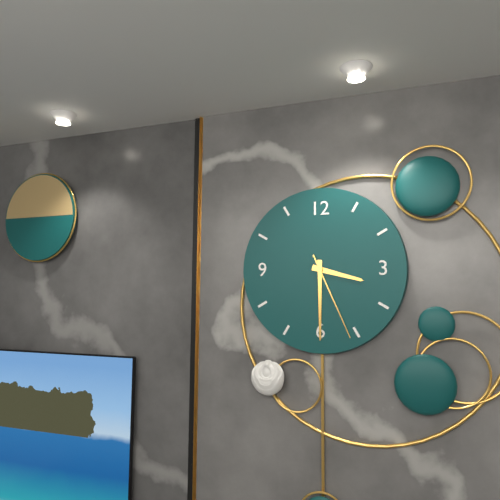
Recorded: 3 h 30 min 26 s
